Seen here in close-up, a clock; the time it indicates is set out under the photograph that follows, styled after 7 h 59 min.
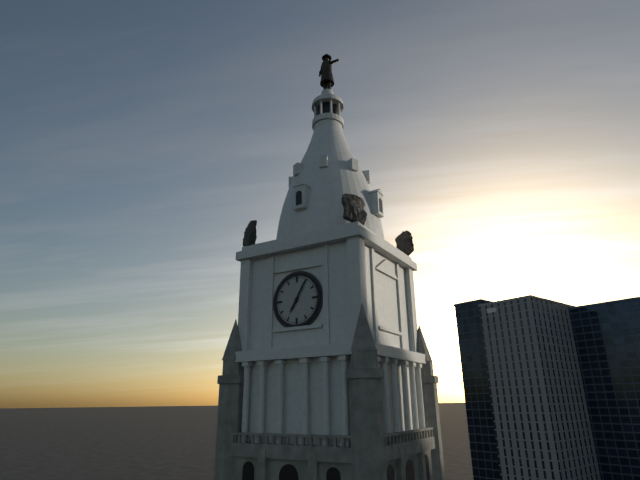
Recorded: 7 h 05 min
